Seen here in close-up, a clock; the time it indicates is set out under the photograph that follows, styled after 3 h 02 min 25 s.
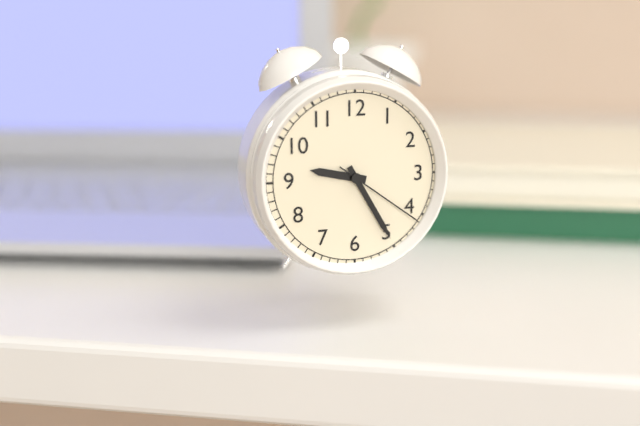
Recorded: 9 h 25 min 21 s
